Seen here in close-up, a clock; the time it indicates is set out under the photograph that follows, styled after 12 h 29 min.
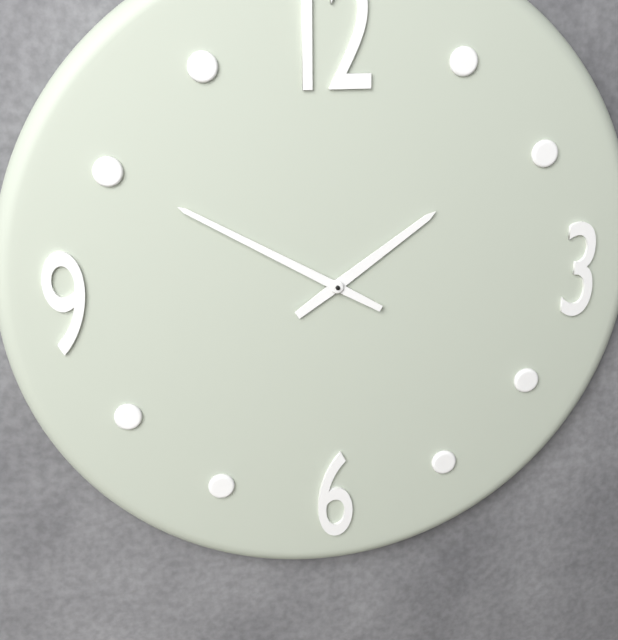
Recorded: 1 h 50 min
